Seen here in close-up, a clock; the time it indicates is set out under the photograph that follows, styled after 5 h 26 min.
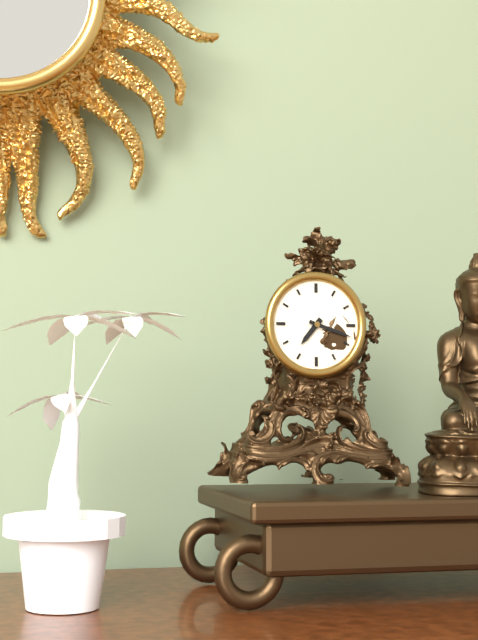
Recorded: 7 h 18 min
